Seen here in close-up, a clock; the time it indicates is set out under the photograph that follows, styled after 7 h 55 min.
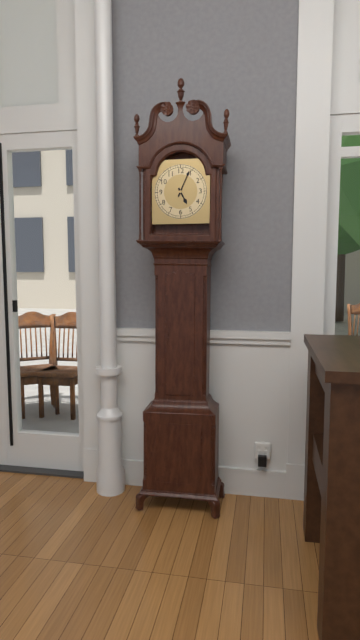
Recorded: 5 h 04 min
